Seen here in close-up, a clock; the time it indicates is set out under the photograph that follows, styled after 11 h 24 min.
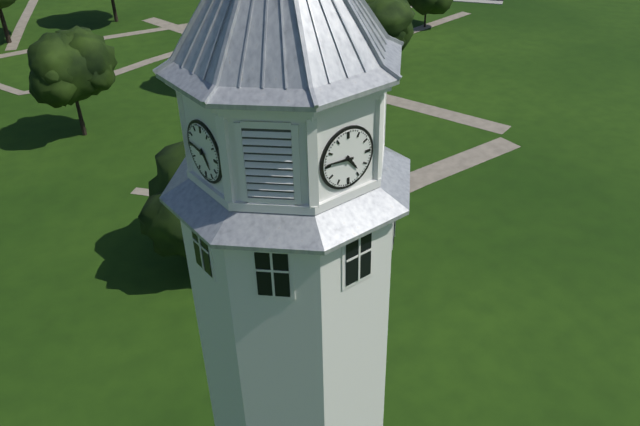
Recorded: 4 h 46 min
